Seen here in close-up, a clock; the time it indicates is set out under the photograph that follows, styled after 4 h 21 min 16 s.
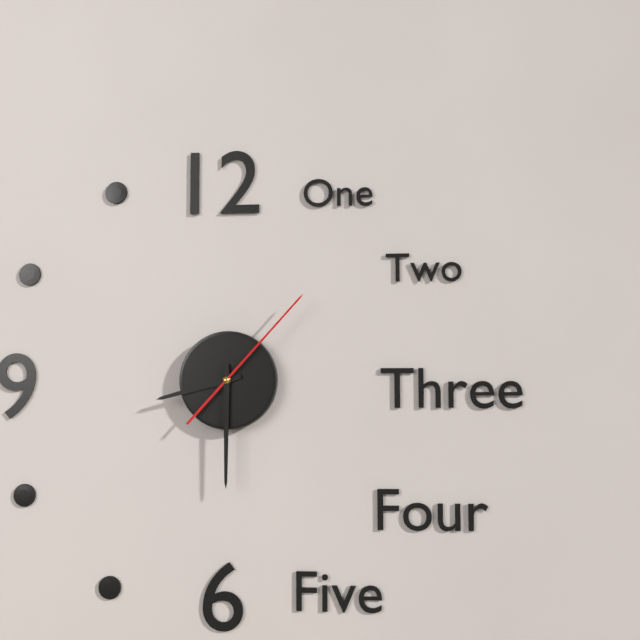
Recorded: 8 h 30 min 07 s
